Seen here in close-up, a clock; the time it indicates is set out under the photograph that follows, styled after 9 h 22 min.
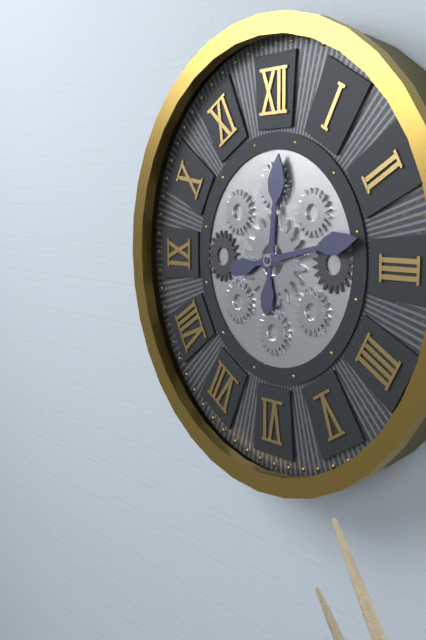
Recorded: 12 h 13 min
